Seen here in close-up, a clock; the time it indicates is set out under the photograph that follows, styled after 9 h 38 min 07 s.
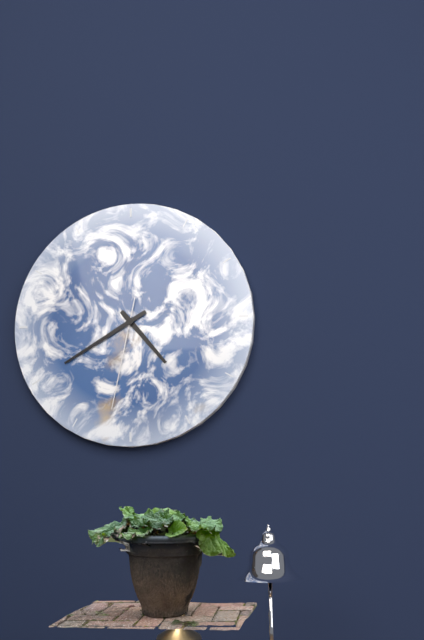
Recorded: 4 h 40 min 32 s
